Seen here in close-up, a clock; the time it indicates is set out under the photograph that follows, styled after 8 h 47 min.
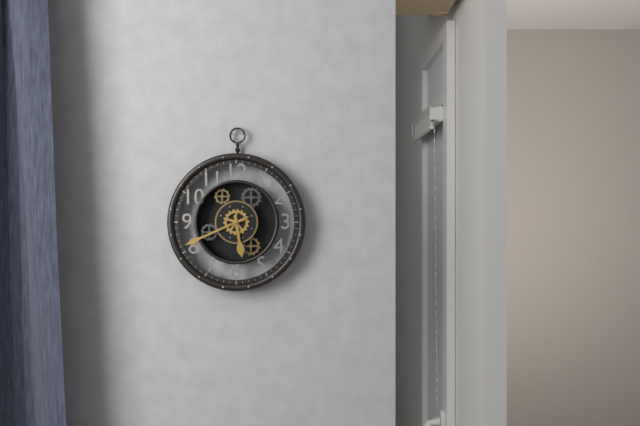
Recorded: 5 h 41 min
